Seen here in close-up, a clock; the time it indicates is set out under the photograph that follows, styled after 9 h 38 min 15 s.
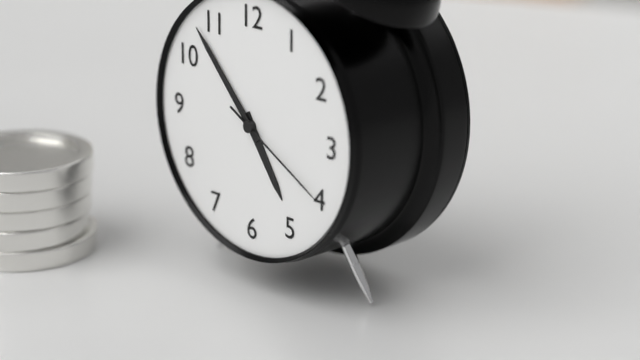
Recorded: 4 h 53 min 20 s
